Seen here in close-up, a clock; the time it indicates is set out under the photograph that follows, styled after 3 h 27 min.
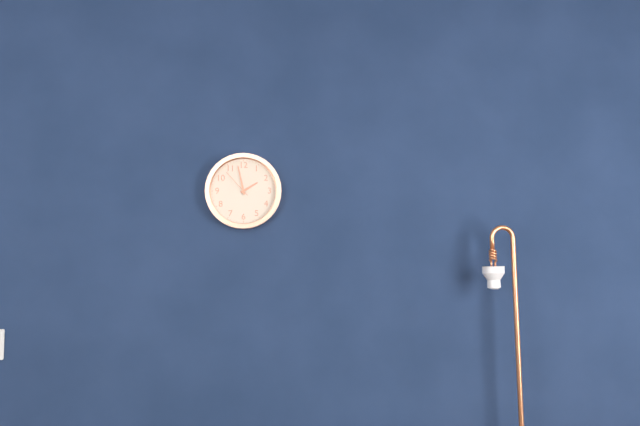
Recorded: 1 h 58 min
